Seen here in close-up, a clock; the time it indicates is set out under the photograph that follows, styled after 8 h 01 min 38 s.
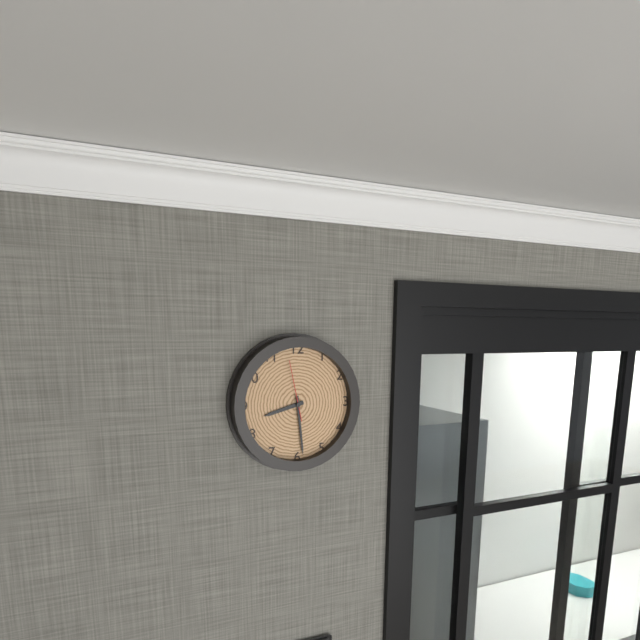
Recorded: 8 h 29 min 58 s
